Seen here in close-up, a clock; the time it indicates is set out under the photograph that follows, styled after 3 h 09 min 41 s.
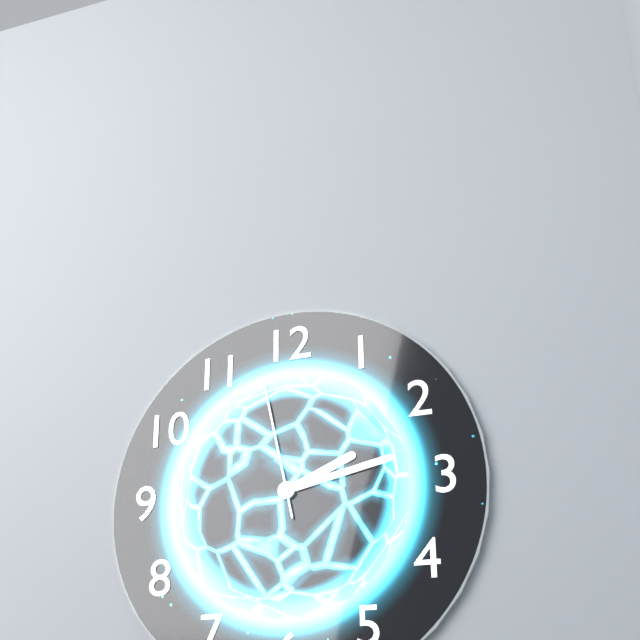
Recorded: 2 h 13 min 58 s
